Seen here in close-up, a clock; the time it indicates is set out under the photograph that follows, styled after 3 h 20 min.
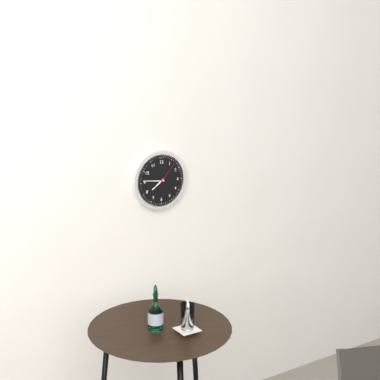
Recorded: 7 h 46 min
